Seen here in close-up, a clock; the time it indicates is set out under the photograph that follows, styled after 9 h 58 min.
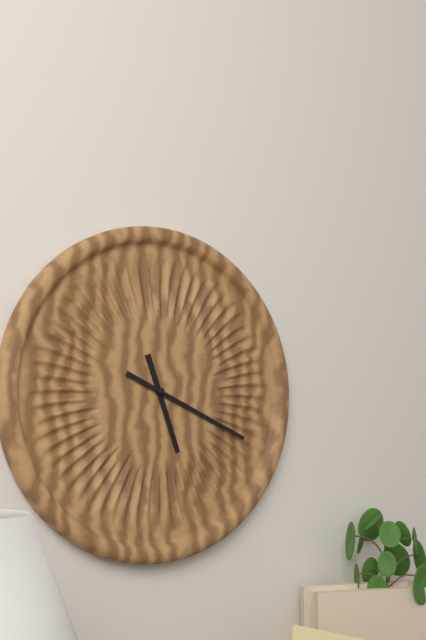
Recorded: 5 h 19 min
